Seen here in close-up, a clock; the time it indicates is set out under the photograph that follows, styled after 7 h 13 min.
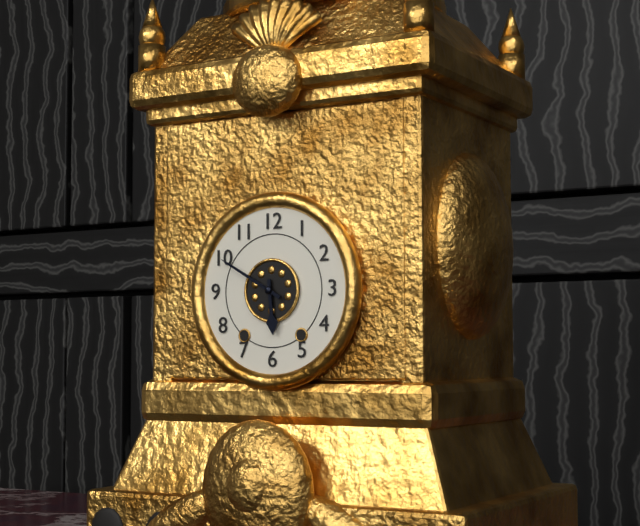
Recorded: 5 h 50 min
